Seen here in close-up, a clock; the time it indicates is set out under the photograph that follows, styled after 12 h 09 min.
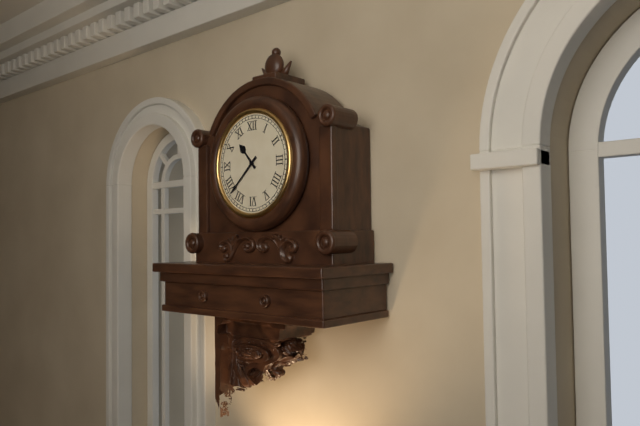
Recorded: 10 h 38 min
